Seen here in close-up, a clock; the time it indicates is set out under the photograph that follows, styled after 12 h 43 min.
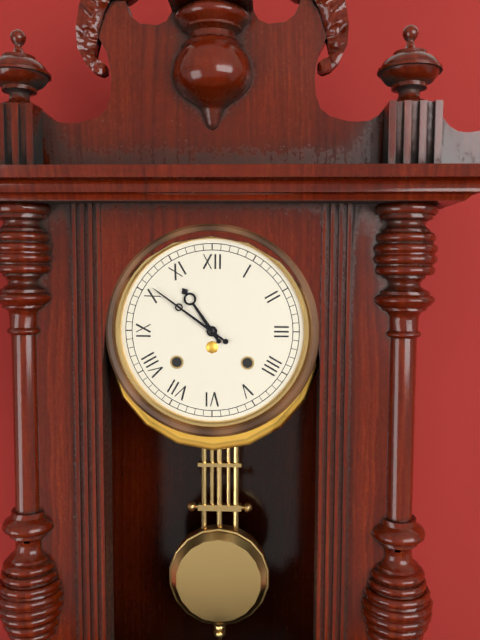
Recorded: 10 h 51 min
